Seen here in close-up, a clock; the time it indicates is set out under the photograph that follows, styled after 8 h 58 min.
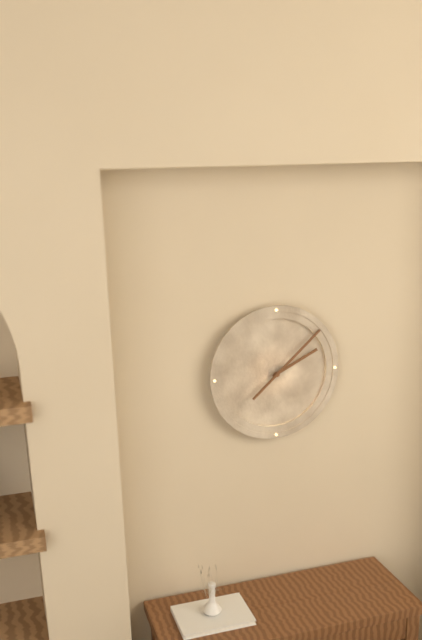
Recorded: 2 h 08 min
